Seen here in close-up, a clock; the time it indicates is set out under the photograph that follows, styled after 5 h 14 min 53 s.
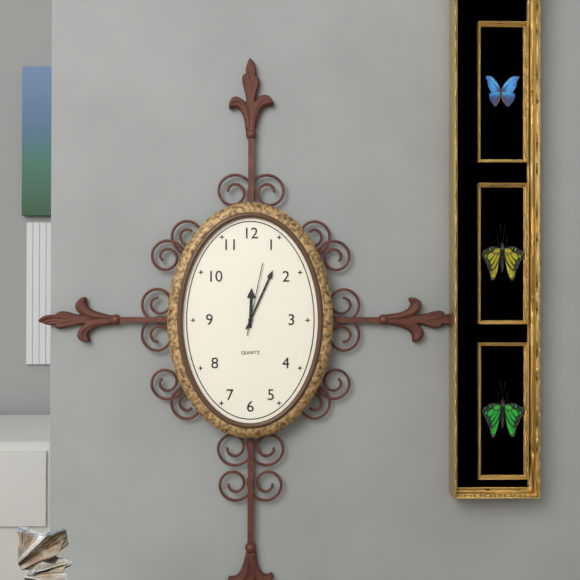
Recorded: 12 h 04 min 02 s
